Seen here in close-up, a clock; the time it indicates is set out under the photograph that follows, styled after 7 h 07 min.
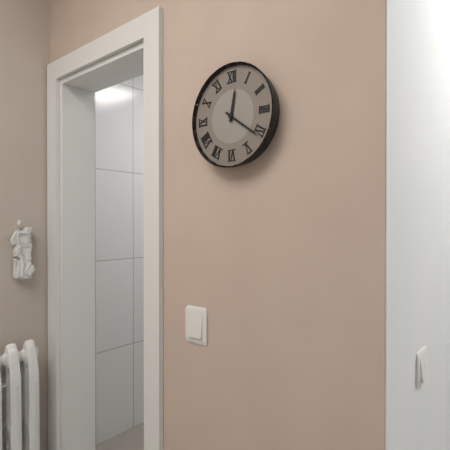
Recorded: 12 h 21 min
